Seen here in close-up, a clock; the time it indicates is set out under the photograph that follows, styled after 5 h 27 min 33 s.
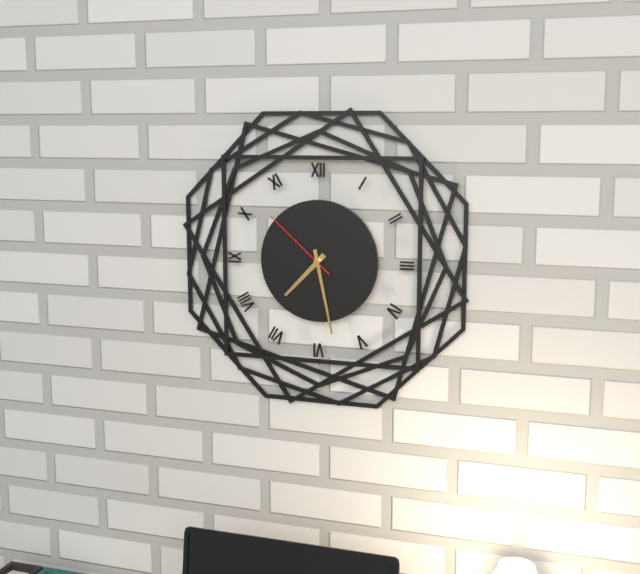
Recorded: 7 h 28 min 52 s
